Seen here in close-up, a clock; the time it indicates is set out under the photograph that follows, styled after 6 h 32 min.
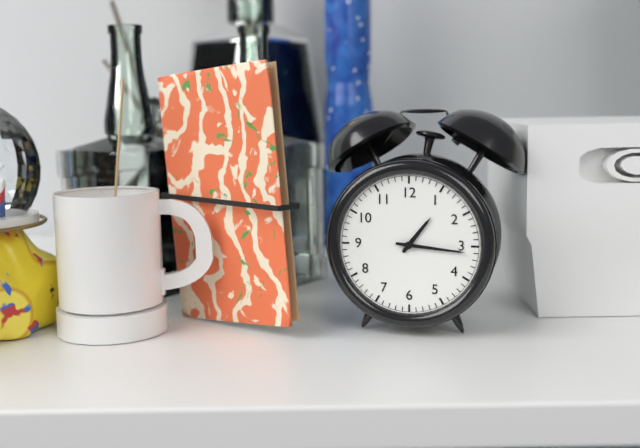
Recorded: 1 h 16 min
